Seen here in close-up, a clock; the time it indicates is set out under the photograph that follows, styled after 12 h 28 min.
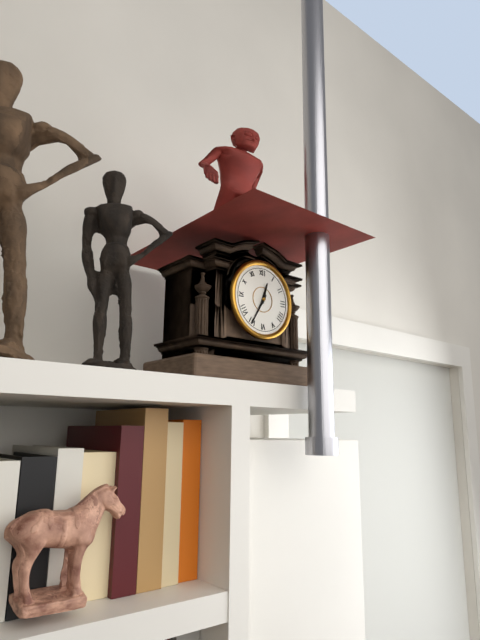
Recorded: 12 h 35 min
